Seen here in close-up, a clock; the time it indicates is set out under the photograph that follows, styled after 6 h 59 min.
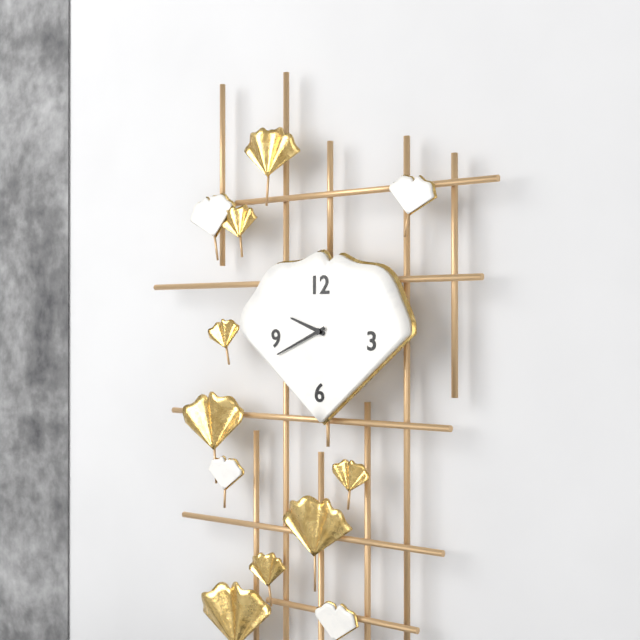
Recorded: 9 h 41 min
